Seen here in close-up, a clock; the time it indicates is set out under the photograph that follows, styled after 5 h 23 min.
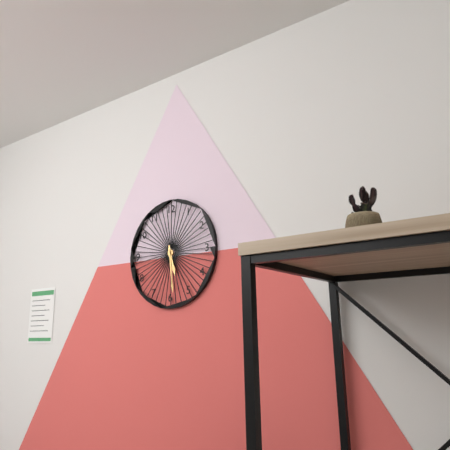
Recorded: 5 h 29 min
